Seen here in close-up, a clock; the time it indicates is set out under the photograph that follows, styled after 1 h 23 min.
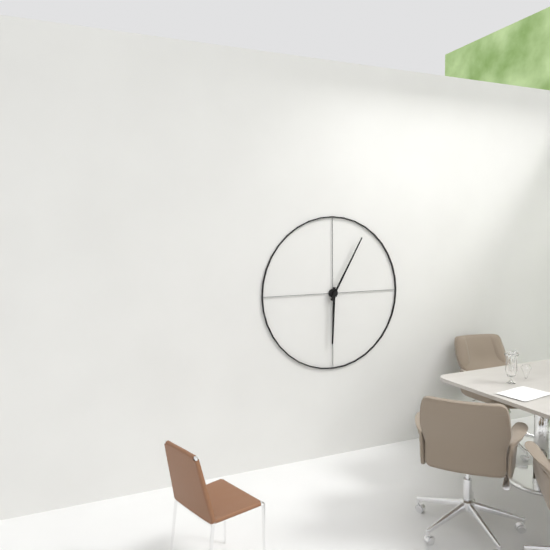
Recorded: 6 h 05 min
